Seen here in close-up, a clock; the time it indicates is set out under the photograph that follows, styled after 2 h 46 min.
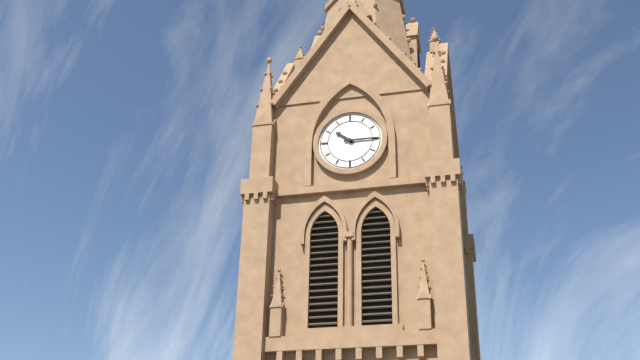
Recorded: 10 h 15 min
